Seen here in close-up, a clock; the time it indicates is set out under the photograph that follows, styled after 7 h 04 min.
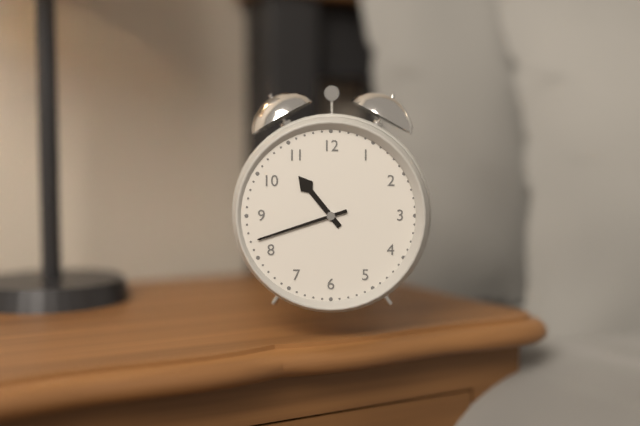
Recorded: 10 h 42 min
